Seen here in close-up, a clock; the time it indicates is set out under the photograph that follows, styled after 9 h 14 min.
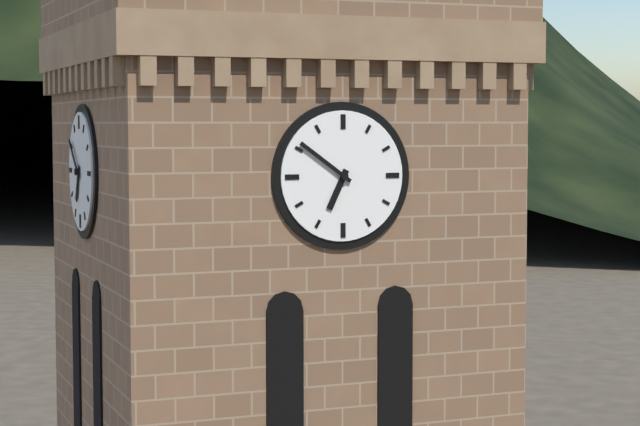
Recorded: 6 h 51 min
